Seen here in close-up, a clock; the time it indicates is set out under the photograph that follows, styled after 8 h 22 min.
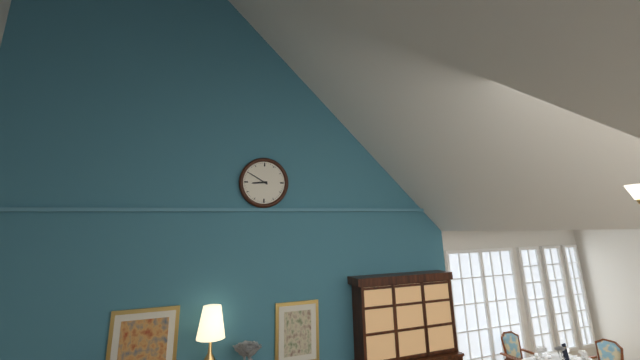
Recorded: 8 h 50 min
